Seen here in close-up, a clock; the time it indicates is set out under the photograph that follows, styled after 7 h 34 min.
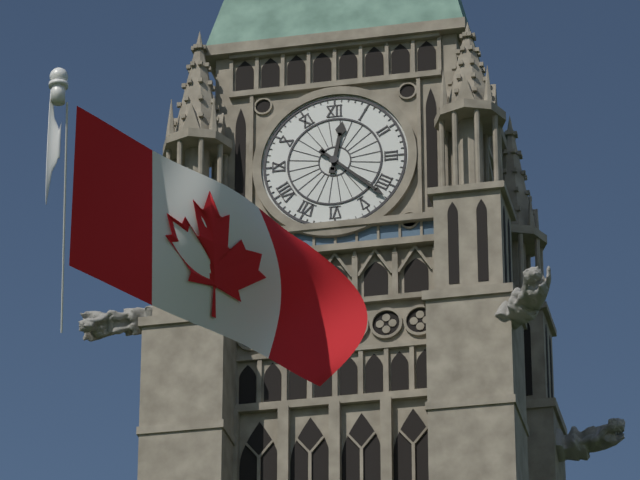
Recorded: 12 h 22 min
